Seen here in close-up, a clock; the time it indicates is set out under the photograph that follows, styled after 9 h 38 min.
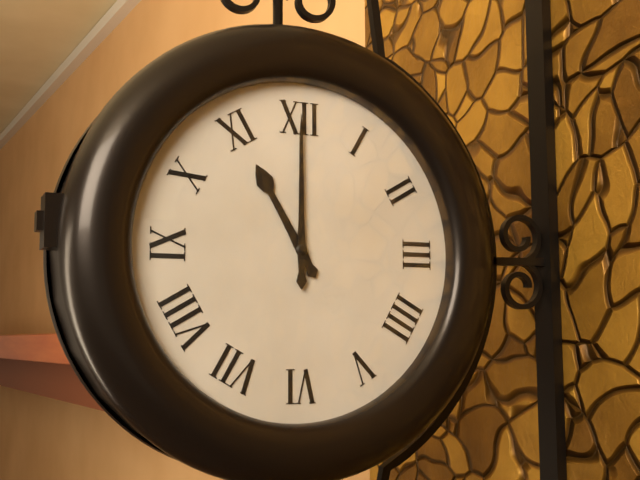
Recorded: 11 h 00 min
